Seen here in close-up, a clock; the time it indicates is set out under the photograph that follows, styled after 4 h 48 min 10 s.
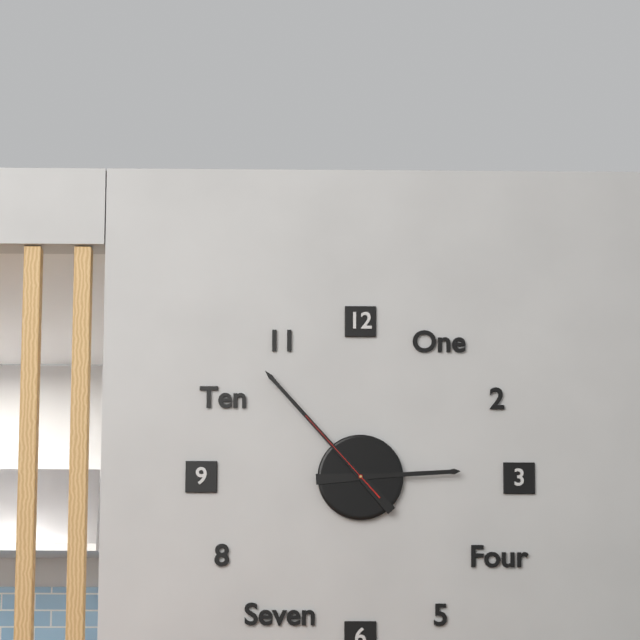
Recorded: 2 h 53 min 53 s
